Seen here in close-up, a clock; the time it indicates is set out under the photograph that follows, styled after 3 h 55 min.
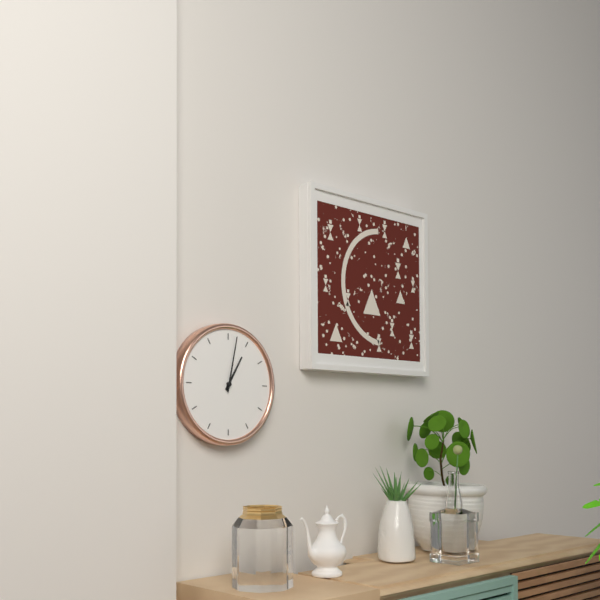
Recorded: 1 h 02 min
